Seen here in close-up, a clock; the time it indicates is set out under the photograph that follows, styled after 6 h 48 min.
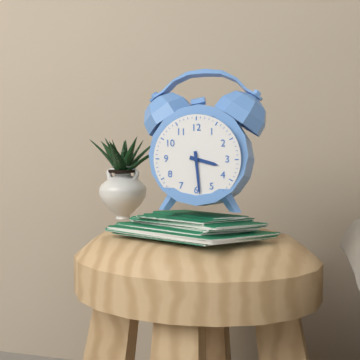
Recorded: 3 h 29 min
